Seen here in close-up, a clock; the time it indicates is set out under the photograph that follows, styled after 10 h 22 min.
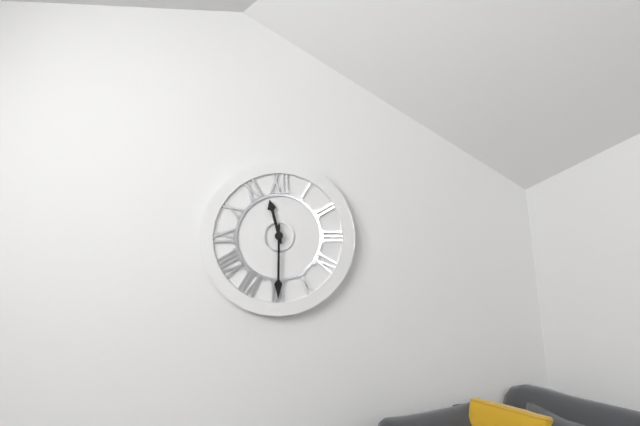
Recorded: 11 h 30 min
